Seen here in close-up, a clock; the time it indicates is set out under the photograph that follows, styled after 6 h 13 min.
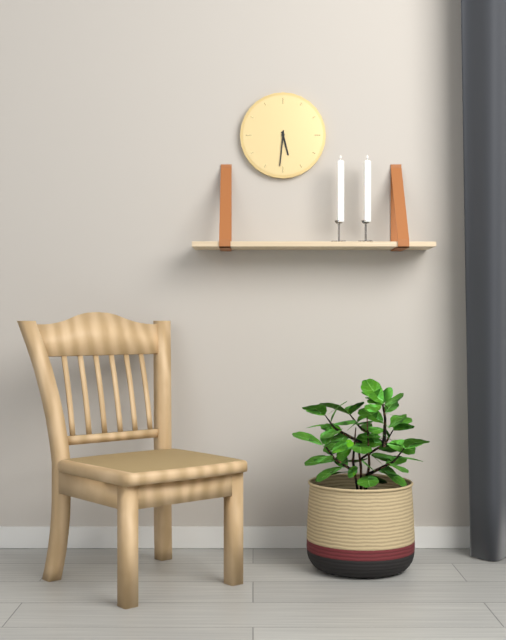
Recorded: 5 h 31 min
